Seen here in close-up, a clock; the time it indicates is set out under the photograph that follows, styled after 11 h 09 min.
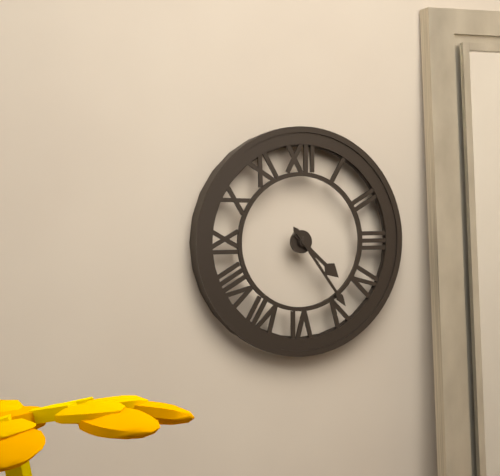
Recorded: 4 h 24 min
